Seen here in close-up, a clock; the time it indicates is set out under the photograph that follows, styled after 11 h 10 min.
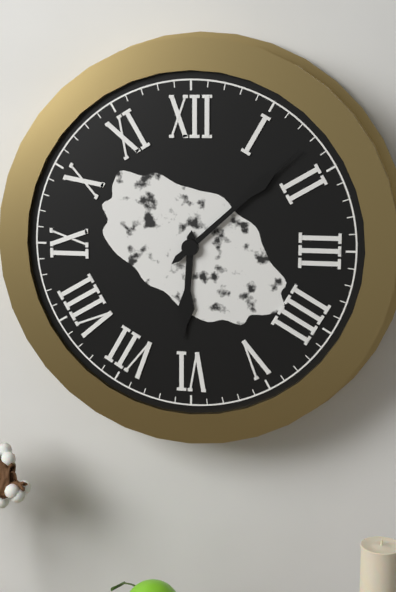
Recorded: 6 h 08 min
